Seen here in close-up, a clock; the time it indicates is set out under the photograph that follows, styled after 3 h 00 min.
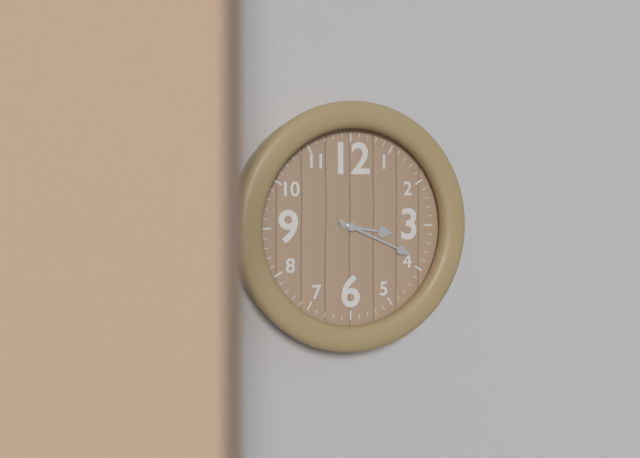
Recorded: 3 h 19 min
